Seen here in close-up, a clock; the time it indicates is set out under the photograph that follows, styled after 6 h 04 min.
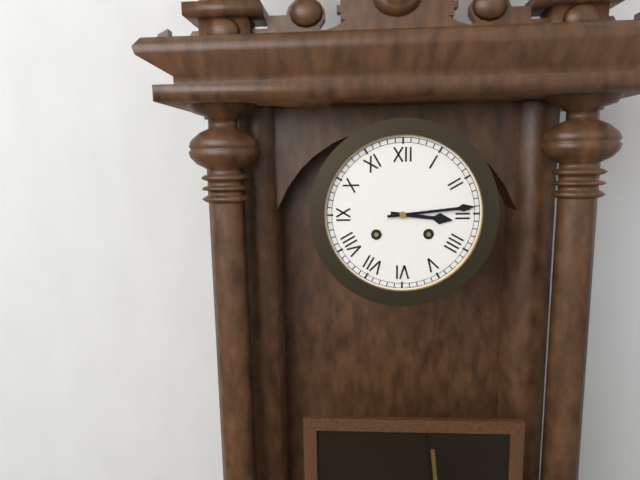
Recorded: 3 h 14 min
